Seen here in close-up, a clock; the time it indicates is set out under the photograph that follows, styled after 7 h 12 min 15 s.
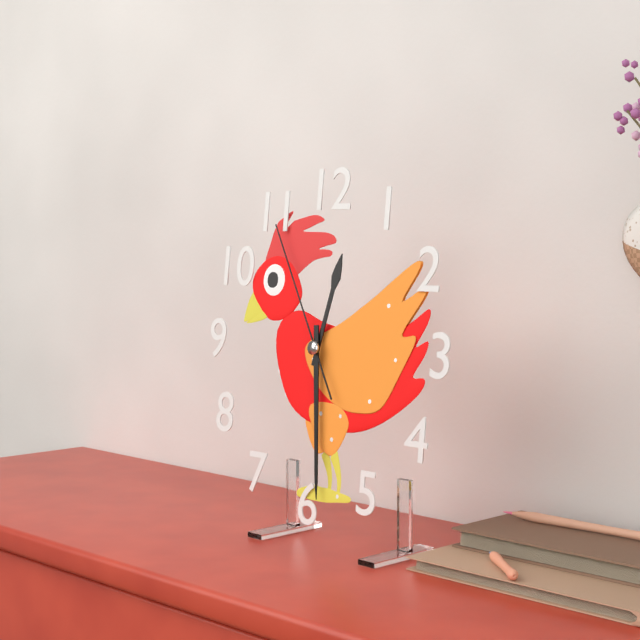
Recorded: 12 h 29 min 55 s
